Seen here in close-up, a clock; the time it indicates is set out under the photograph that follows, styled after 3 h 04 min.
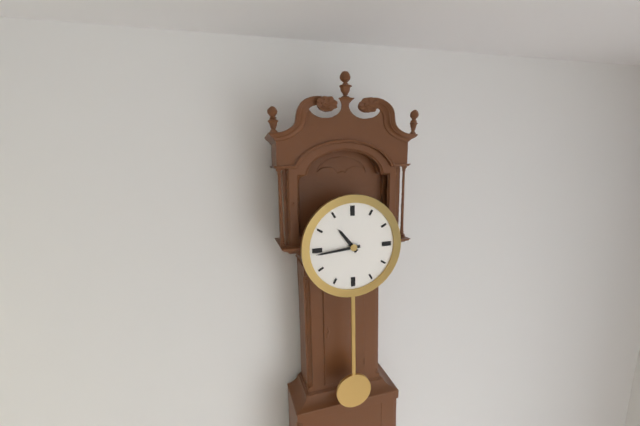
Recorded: 10 h 44 min
